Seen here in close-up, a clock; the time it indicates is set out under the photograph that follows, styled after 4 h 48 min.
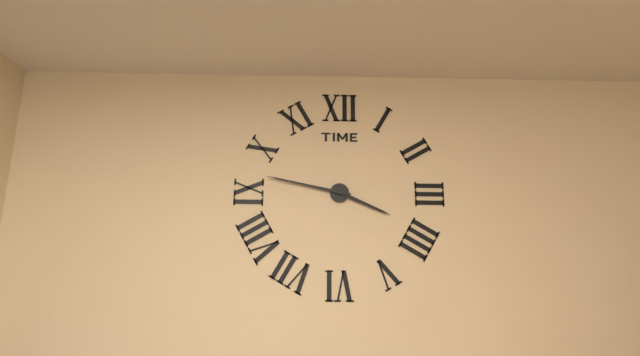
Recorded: 3 h 47 min
